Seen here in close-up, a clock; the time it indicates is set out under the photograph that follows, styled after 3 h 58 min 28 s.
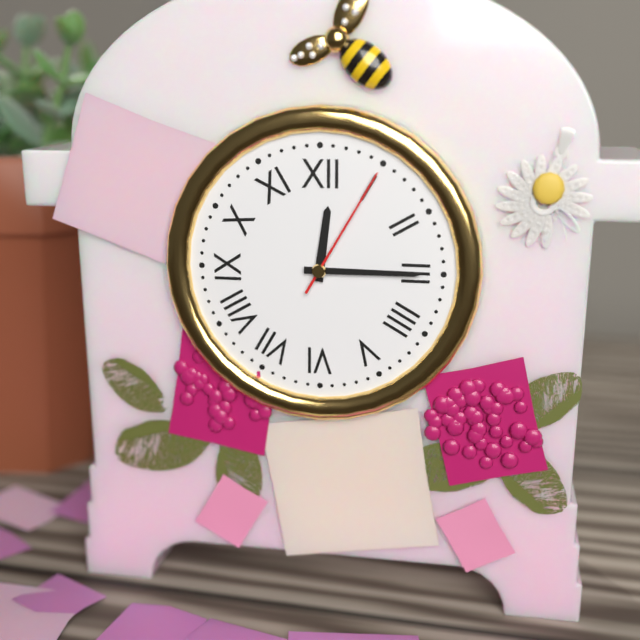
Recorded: 12 h 15 min 05 s
